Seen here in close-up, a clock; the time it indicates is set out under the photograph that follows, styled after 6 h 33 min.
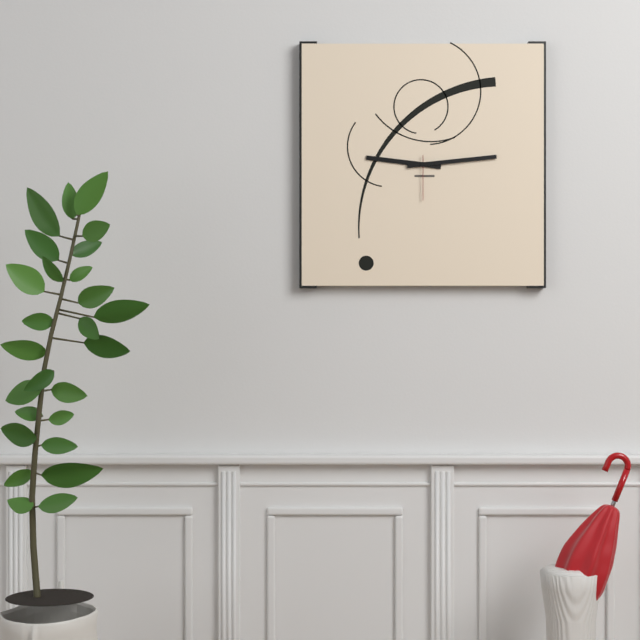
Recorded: 9 h 14 min
